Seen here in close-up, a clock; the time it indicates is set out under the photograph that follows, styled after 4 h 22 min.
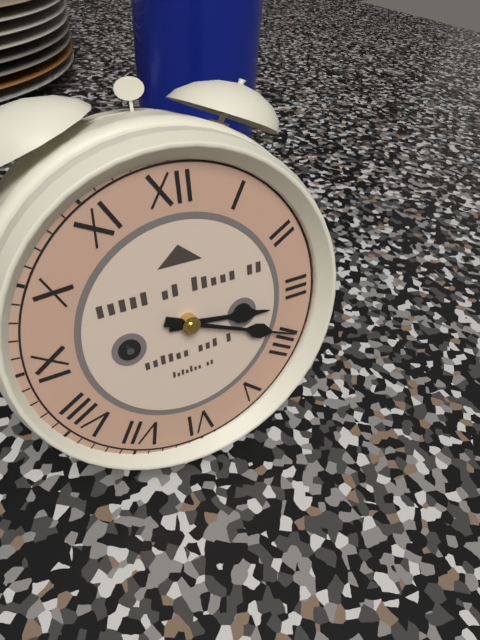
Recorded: 3 h 19 min
